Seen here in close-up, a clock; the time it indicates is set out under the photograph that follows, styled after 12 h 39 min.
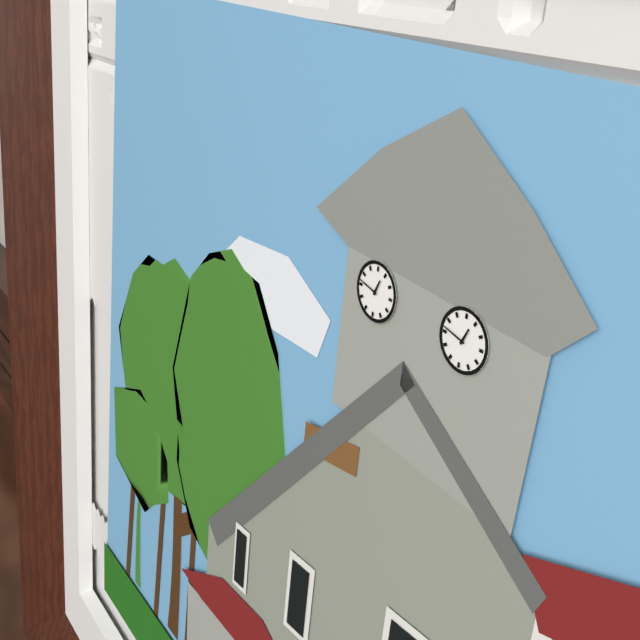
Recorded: 12 h 47 min
